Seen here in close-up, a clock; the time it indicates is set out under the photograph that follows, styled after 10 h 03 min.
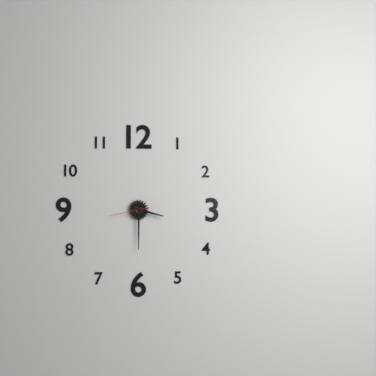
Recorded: 3 h 30 min
